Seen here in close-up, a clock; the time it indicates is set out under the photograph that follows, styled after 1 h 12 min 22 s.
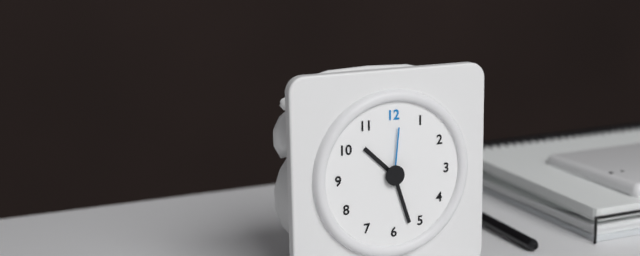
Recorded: 10 h 27 min 01 s
